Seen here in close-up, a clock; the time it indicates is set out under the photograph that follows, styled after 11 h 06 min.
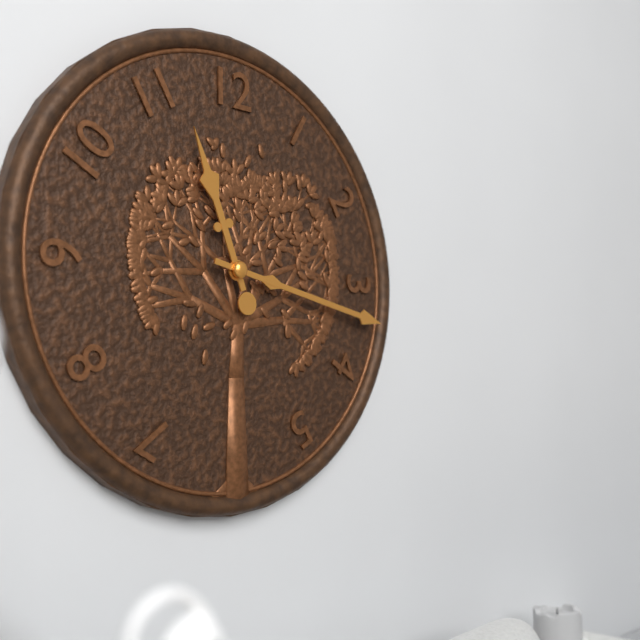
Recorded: 11 h 17 min
